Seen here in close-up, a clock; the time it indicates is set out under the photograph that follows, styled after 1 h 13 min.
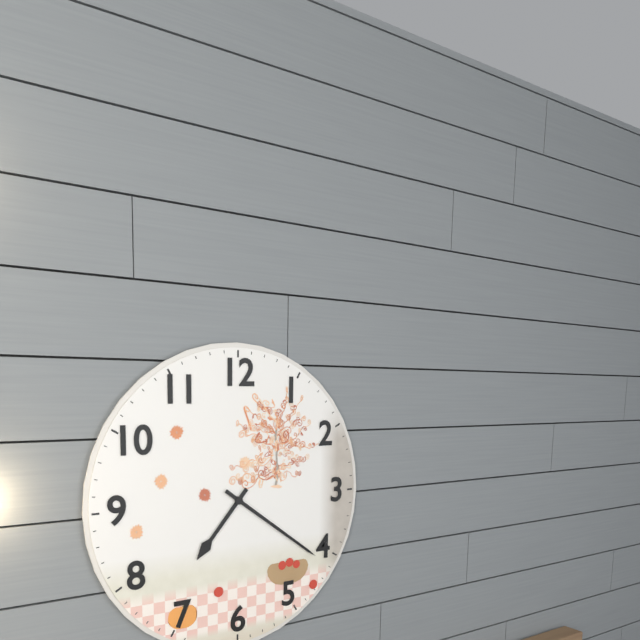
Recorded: 7 h 21 min
